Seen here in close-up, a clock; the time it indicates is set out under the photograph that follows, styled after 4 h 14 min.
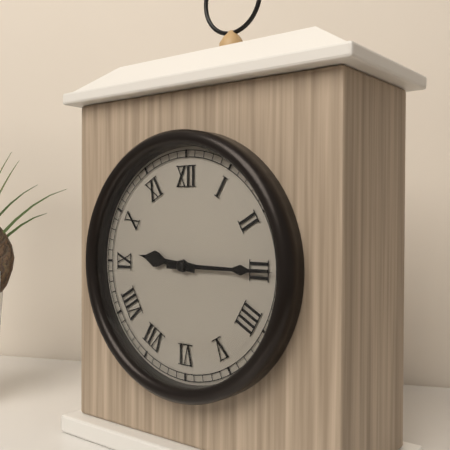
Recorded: 9 h 15 min
